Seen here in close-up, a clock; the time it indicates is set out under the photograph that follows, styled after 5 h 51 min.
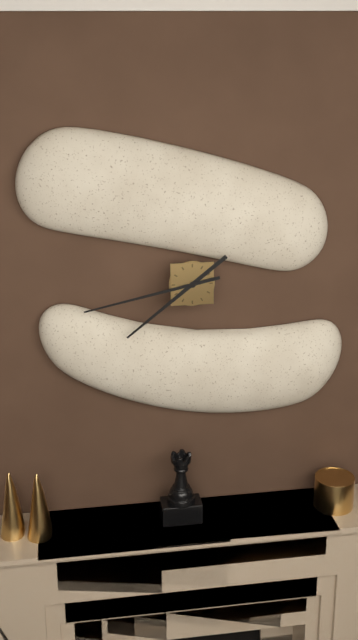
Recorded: 7 h 43 min
